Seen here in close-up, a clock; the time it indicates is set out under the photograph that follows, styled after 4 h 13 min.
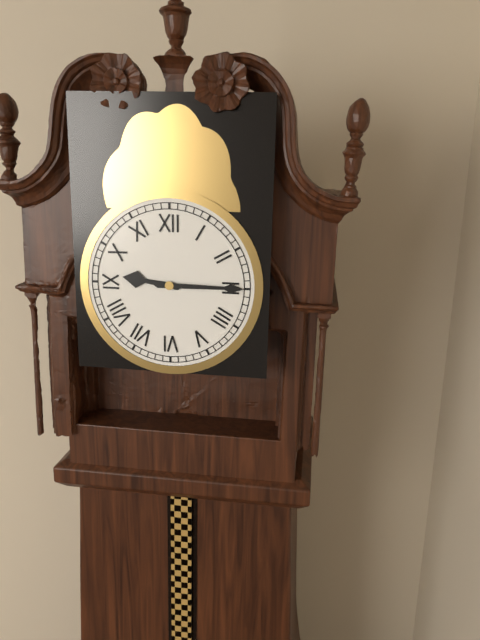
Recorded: 9 h 15 min
